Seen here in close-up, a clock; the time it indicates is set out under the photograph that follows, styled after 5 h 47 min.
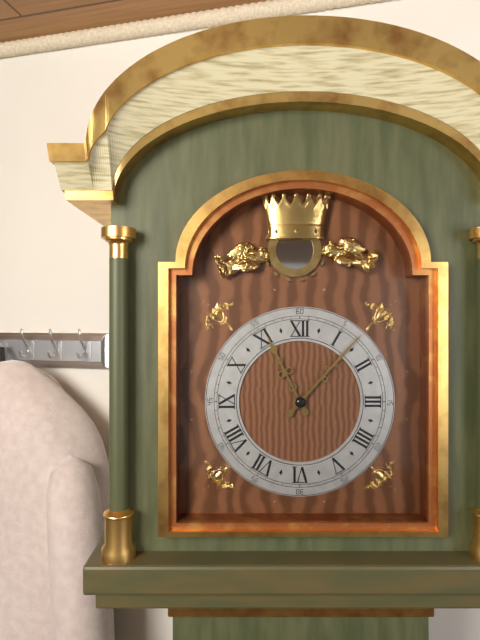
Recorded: 11 h 07 min
